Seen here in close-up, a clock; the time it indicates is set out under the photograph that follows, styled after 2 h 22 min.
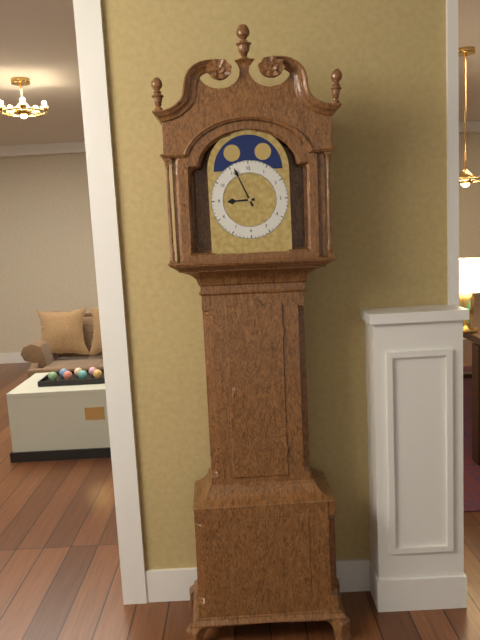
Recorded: 8 h 56 min
